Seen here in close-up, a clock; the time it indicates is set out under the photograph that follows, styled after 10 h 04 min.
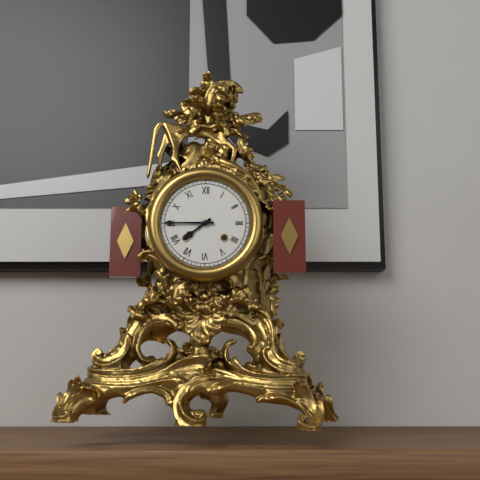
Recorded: 7 h 45 min
